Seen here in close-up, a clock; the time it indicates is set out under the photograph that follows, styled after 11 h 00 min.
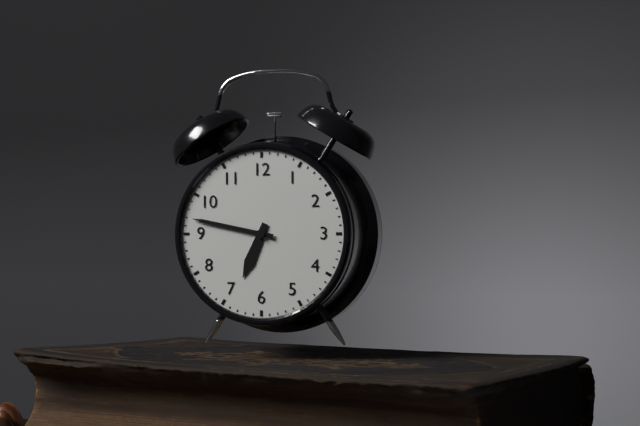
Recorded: 6 h 47 min
